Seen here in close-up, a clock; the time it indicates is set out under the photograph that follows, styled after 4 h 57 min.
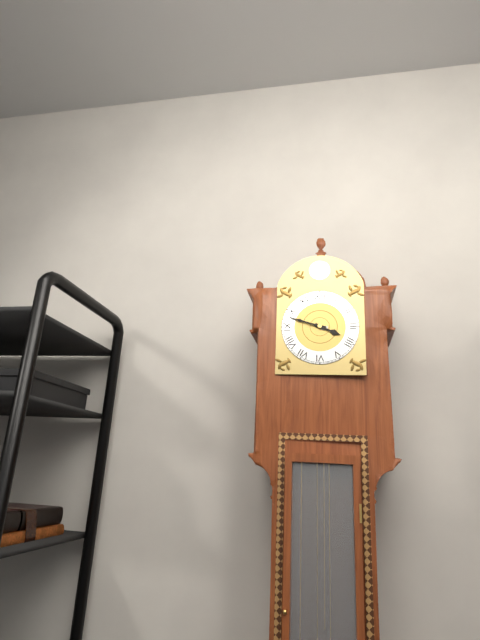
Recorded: 3 h 48 min
